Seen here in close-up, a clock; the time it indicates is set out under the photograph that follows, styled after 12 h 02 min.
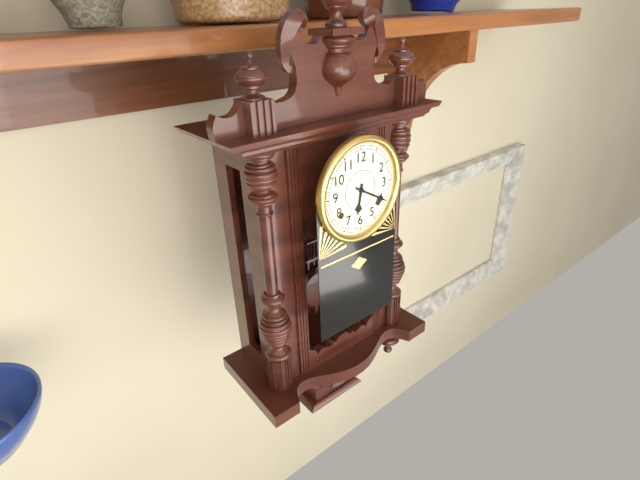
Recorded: 6 h 20 min
